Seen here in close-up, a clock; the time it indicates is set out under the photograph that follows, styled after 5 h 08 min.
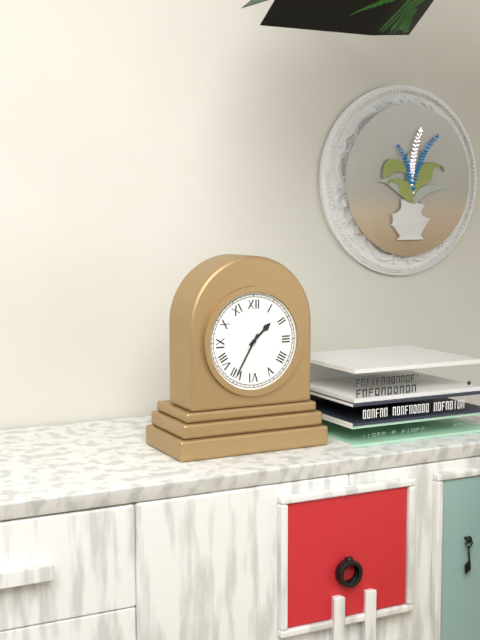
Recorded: 1 h 35 min
